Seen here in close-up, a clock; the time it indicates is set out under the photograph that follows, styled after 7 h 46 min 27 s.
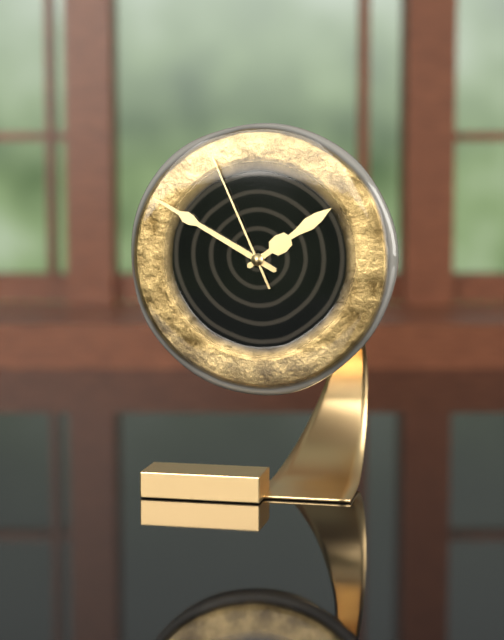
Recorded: 1 h 50 min 56 s
